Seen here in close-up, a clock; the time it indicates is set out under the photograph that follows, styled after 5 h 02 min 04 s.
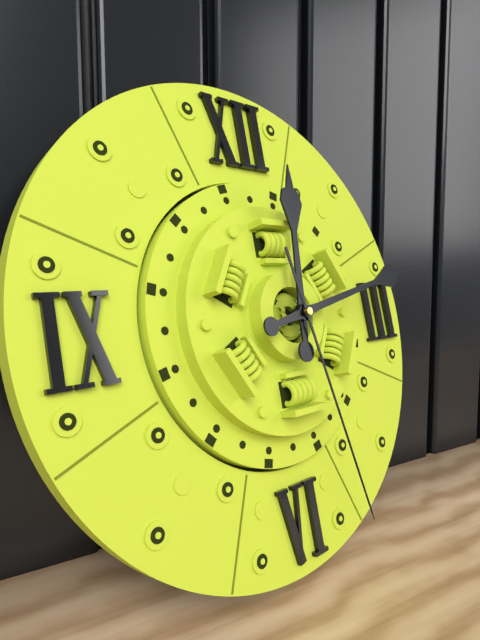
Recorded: 12 h 13 min 28 s
